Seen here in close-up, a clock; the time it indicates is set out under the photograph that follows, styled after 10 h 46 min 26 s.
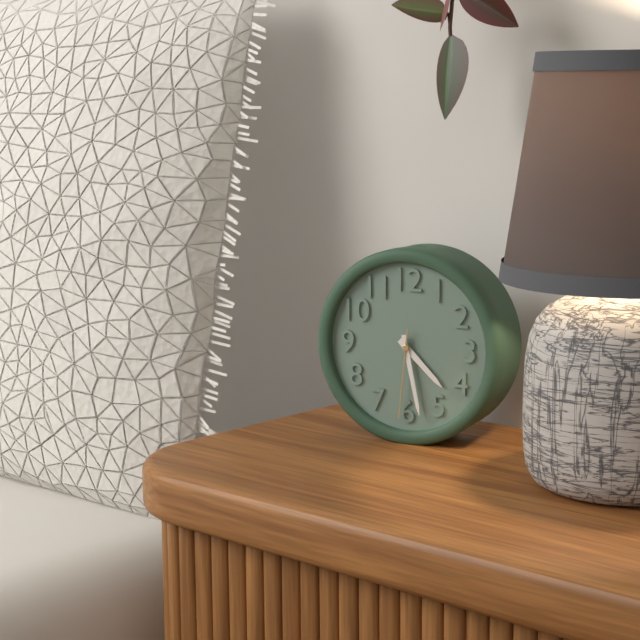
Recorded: 4 h 28 min 31 s
